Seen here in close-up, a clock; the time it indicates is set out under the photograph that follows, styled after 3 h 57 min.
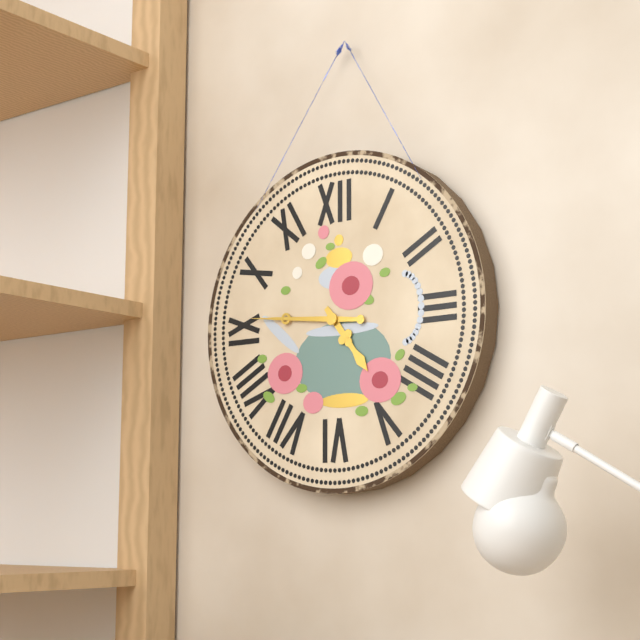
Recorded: 4 h 46 min
